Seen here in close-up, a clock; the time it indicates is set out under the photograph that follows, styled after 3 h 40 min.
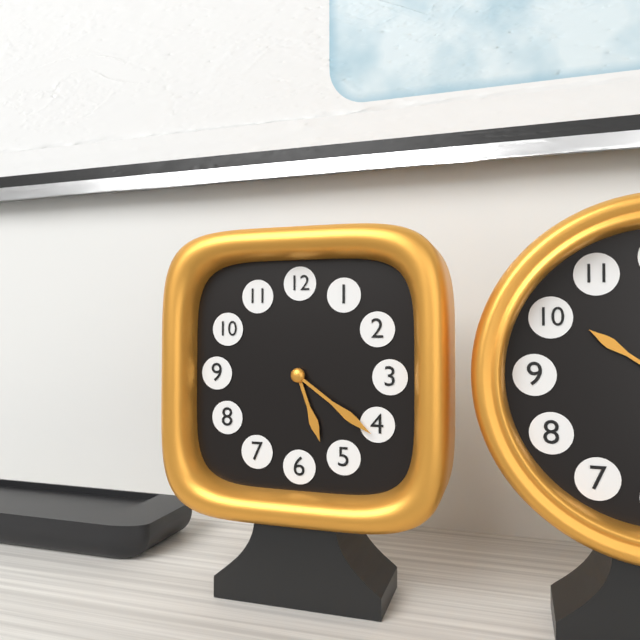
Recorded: 5 h 21 min
